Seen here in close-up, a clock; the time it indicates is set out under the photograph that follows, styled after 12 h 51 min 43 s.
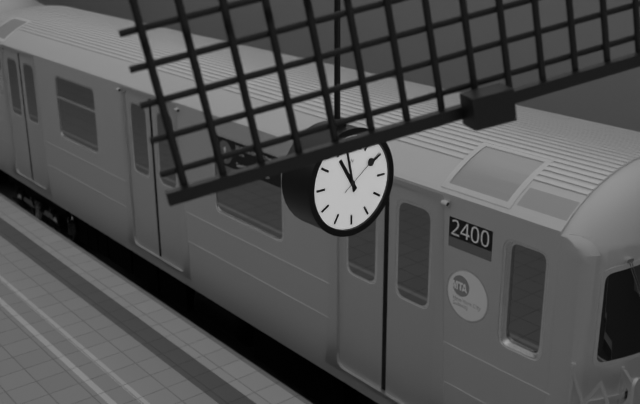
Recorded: 10 h 58 min 09 s
